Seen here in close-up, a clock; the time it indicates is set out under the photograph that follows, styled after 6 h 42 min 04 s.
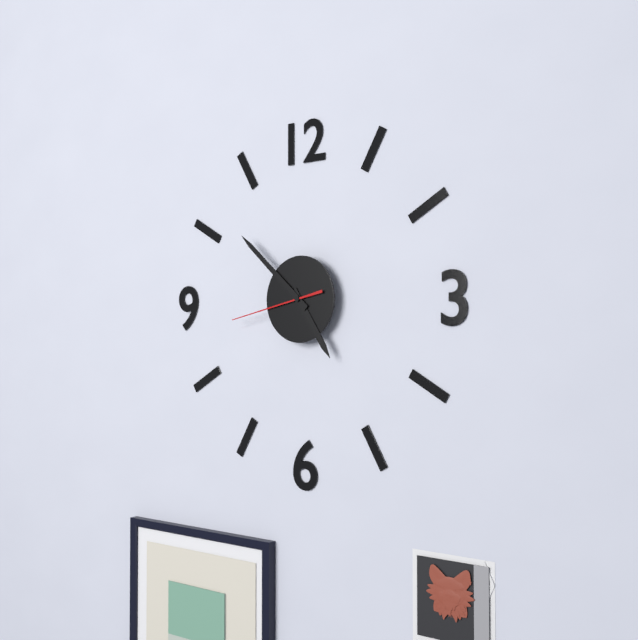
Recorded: 4 h 52 min 43 s
